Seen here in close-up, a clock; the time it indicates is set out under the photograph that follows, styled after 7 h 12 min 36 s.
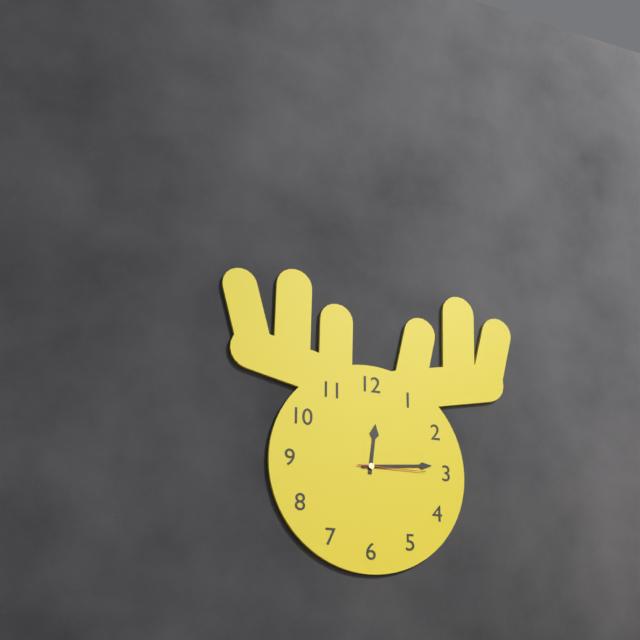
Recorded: 12 h 14 min 15 s
